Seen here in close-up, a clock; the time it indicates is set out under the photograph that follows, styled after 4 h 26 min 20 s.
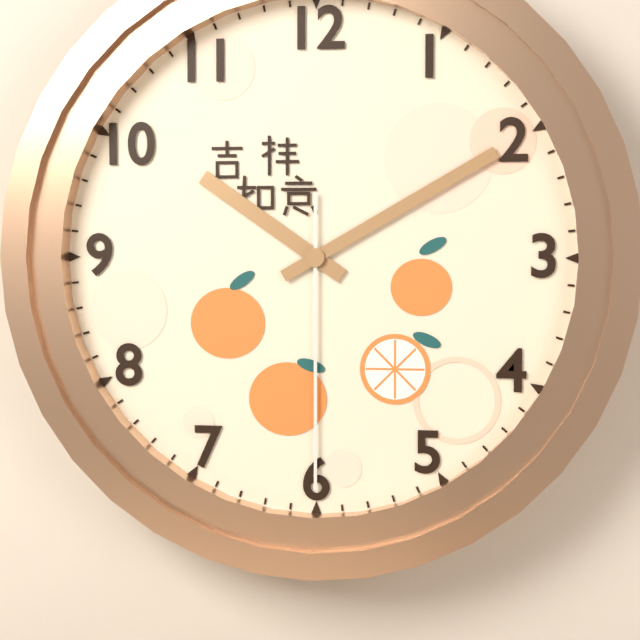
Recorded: 10 h 10 min 30 s
